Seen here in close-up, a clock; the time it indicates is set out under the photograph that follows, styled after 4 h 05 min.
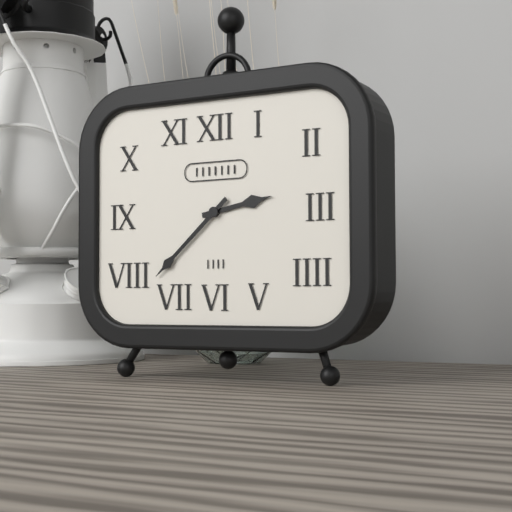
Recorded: 2 h 38 min
